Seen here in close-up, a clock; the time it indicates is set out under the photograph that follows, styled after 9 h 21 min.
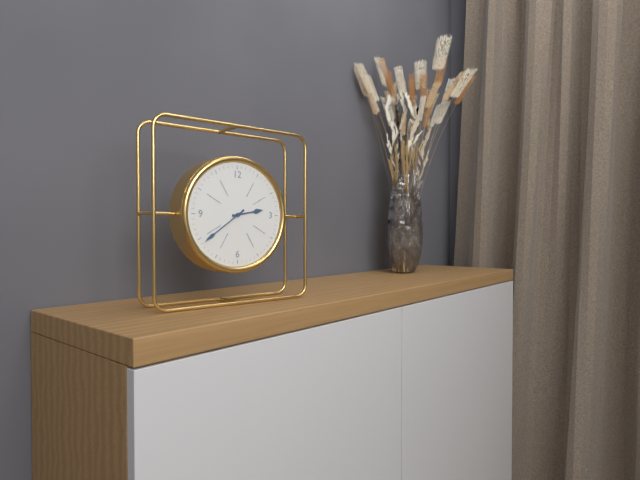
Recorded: 2 h 39 min
